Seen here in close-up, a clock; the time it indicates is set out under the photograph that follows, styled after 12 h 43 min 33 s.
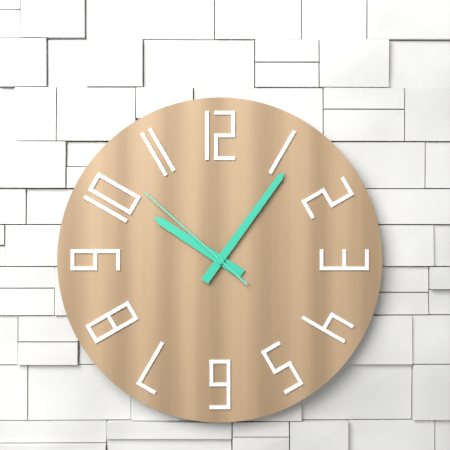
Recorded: 10 h 06 min 52 s
